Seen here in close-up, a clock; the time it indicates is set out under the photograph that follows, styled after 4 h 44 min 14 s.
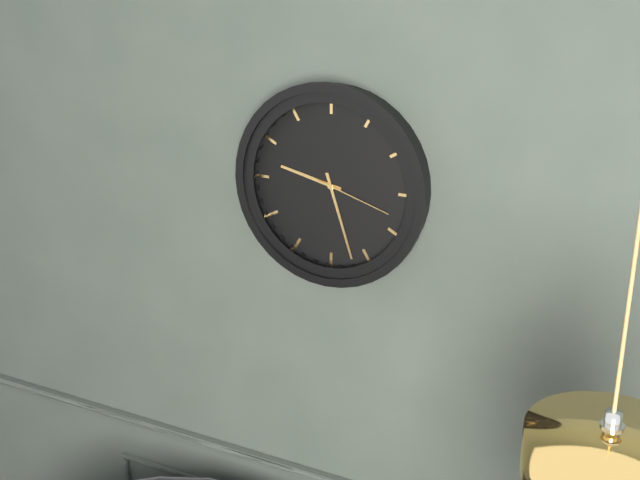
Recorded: 9 h 27 min 18 s
